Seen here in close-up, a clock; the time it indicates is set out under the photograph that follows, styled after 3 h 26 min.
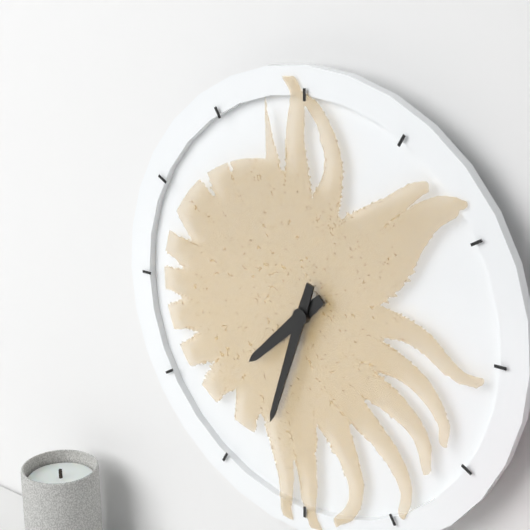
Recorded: 7 h 33 min
